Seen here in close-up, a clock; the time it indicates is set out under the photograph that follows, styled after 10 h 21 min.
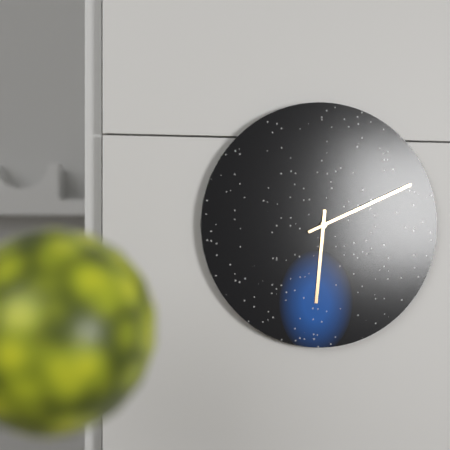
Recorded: 6 h 11 min
